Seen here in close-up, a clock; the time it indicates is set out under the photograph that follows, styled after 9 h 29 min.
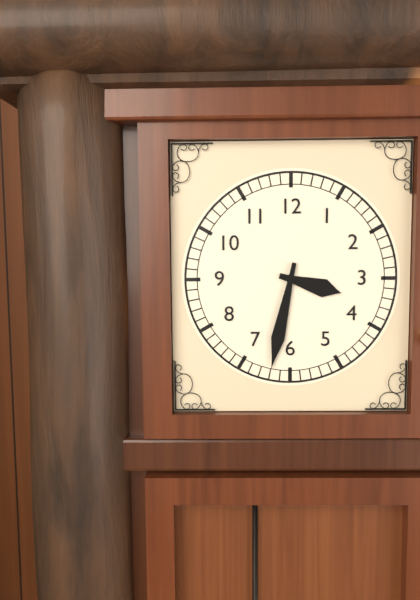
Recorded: 3 h 32 min
